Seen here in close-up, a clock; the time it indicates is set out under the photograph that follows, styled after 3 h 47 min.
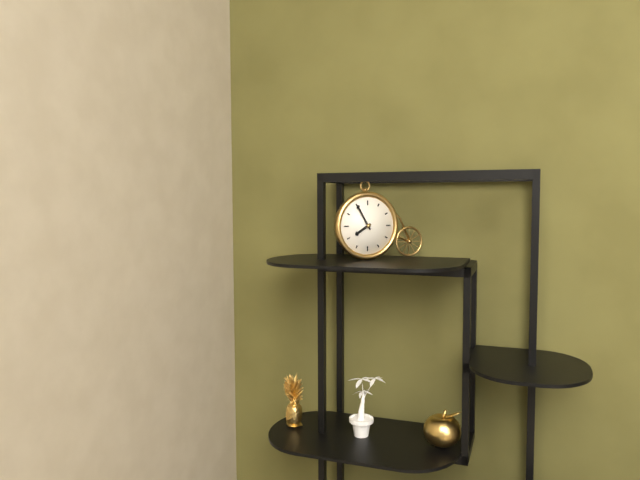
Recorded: 7 h 55 min
